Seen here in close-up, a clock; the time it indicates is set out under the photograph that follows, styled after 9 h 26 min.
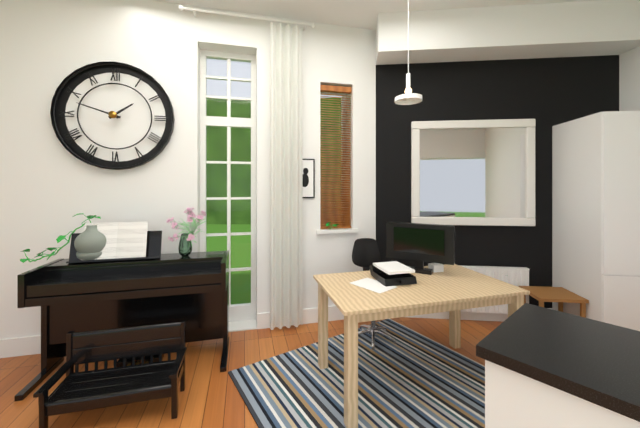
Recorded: 1 h 48 min
